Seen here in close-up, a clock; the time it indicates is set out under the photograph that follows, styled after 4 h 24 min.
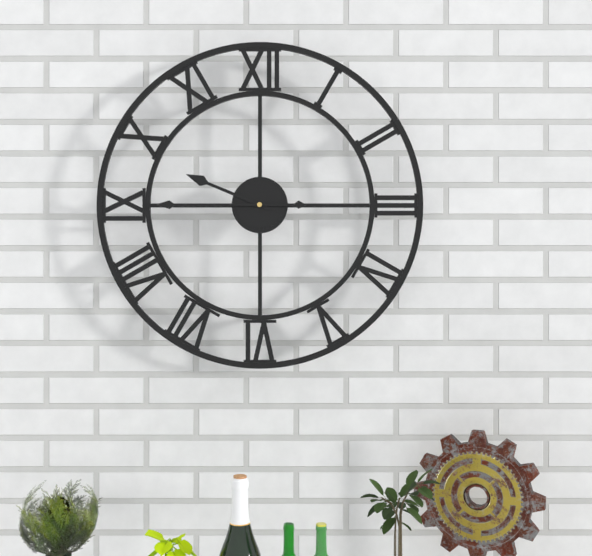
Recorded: 9 h 45 min
